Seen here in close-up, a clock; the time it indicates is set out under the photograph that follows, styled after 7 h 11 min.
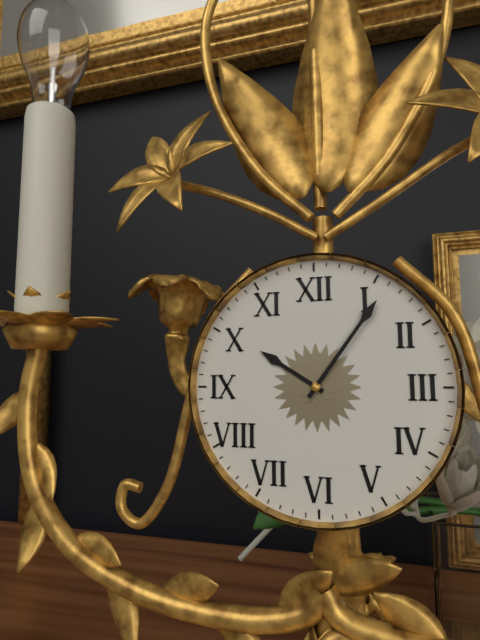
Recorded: 10 h 06 min
